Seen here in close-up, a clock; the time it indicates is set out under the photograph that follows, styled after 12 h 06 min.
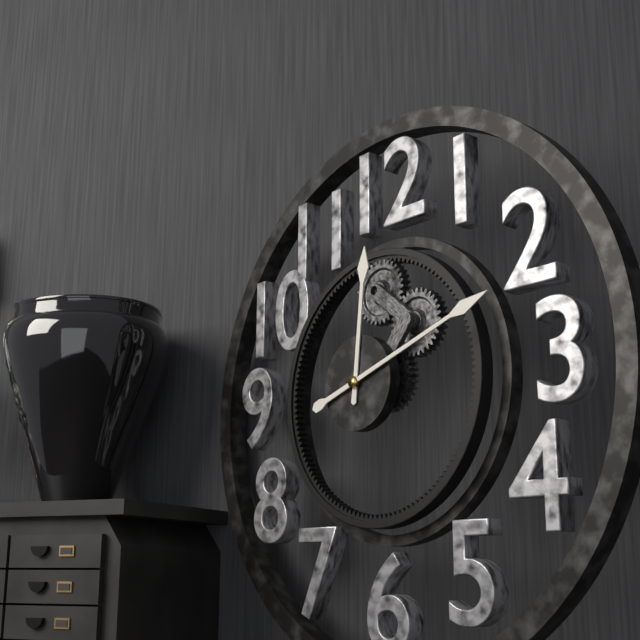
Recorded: 12 h 12 min
